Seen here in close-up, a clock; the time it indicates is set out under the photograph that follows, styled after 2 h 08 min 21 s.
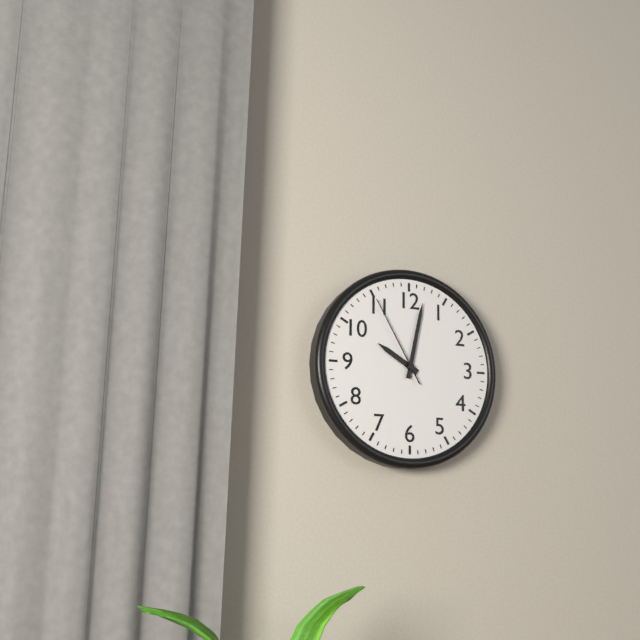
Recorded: 10 h 02 min 55 s
